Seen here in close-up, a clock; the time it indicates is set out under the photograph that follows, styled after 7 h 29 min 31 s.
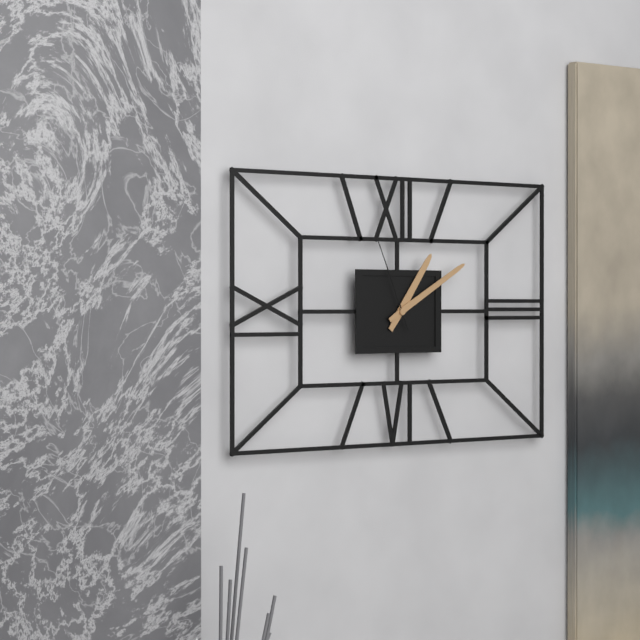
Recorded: 1 h 10 min 56 s
